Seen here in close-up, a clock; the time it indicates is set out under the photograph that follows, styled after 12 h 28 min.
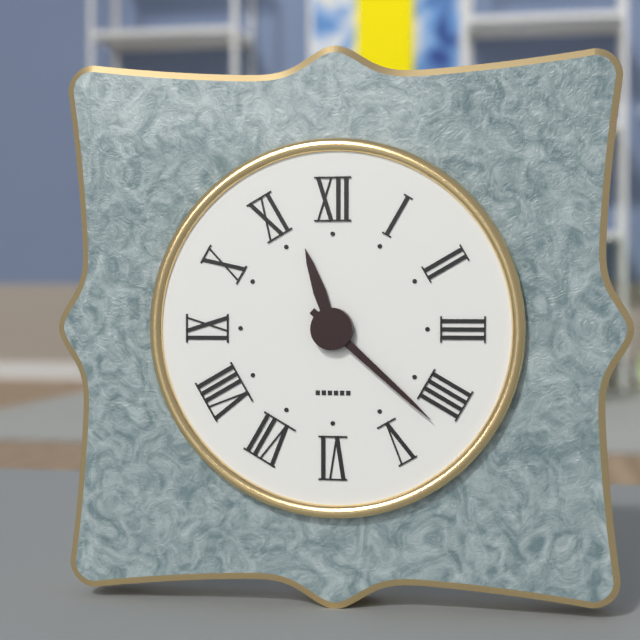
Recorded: 11 h 22 min
